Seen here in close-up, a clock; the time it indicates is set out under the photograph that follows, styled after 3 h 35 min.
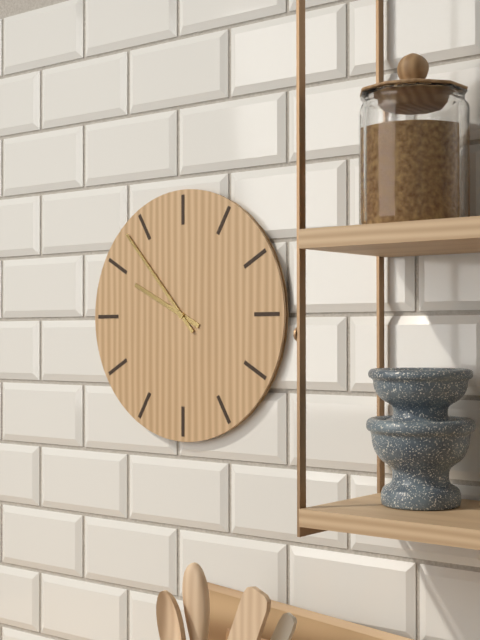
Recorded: 9 h 53 min
